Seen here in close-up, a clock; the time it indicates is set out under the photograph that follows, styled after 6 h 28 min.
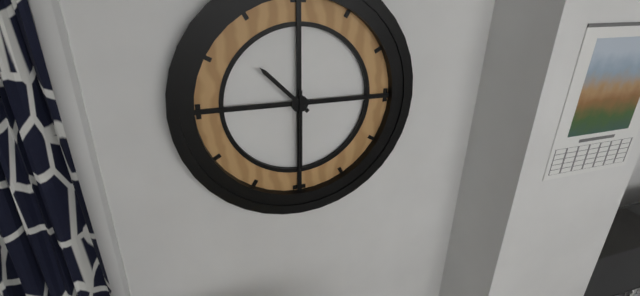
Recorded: 10 h 30 min
